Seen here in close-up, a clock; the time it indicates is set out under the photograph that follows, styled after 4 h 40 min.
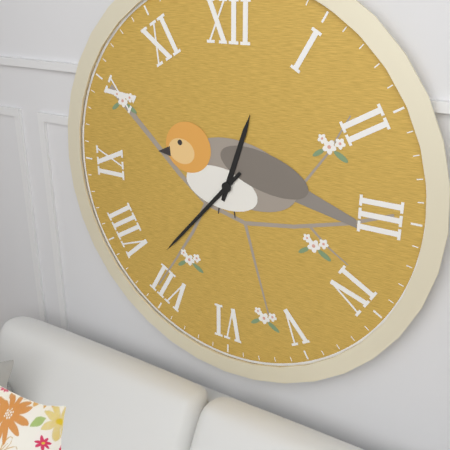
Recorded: 12 h 37 min
